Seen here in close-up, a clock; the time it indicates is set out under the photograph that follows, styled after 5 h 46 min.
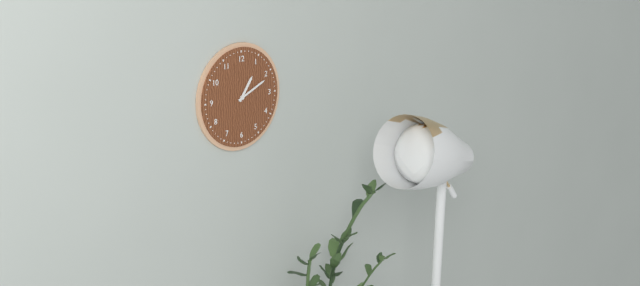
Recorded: 1 h 11 min
